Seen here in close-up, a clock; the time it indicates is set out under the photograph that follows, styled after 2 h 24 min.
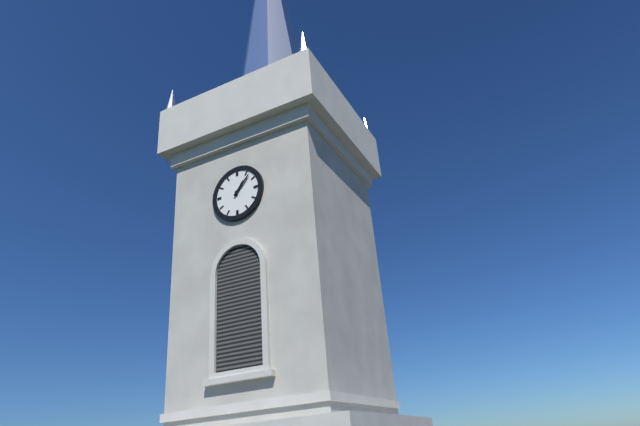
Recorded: 1 h 07 min
